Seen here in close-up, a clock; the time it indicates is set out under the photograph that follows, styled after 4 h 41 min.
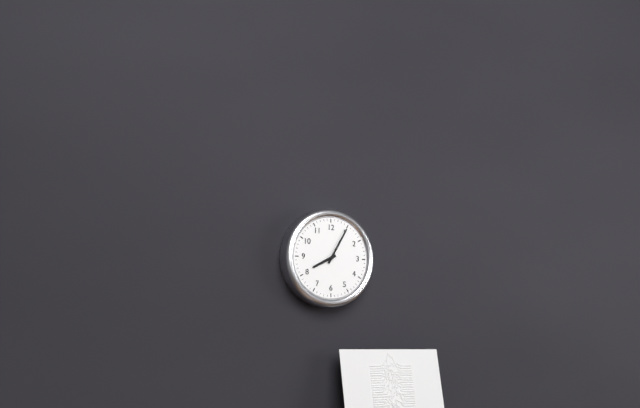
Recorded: 8 h 05 min
